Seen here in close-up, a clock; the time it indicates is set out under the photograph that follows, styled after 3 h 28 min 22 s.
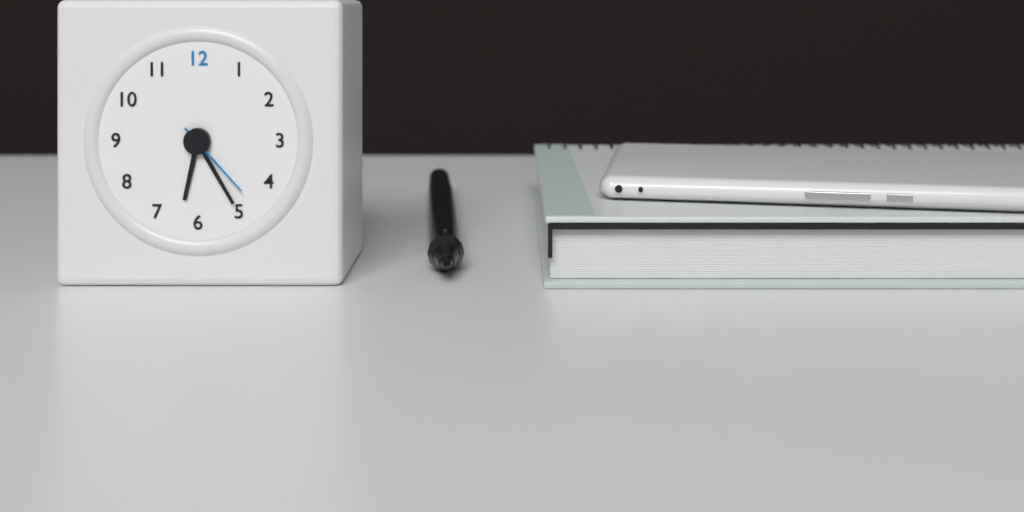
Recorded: 6 h 25 min 23 s
